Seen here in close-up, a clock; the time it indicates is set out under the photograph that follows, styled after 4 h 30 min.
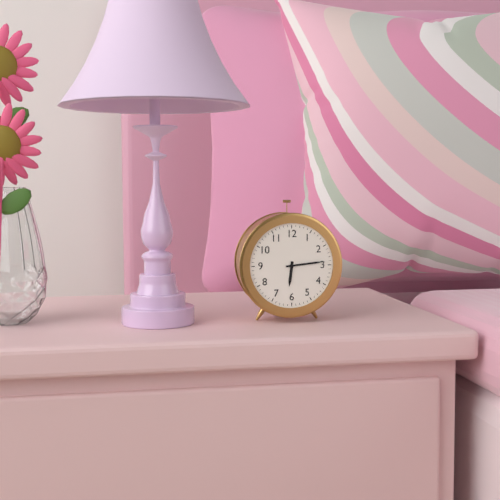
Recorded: 6 h 14 min
